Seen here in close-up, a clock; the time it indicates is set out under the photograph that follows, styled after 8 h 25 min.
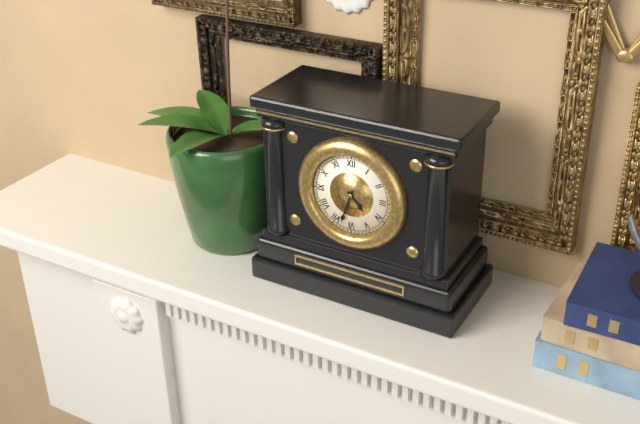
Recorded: 4 h 33 min
